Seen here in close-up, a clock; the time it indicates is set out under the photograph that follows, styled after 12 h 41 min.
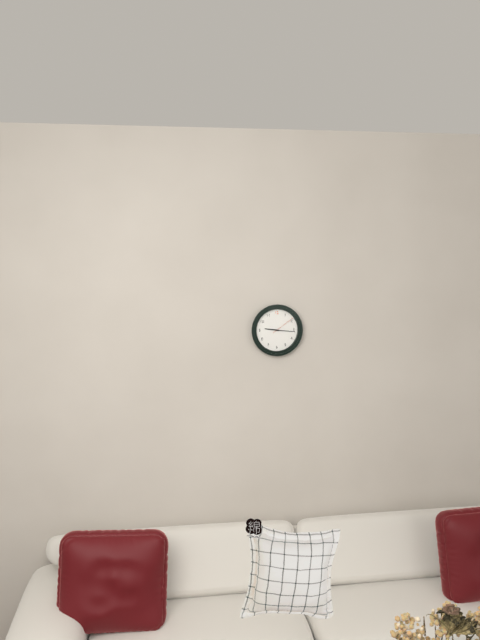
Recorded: 9 h 16 min
